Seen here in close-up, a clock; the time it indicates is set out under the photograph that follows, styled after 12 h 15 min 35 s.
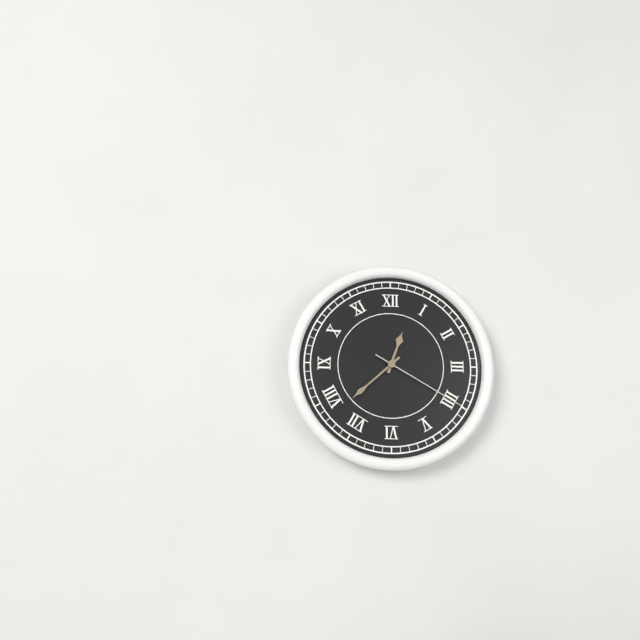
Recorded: 12 h 38 min 20 s
